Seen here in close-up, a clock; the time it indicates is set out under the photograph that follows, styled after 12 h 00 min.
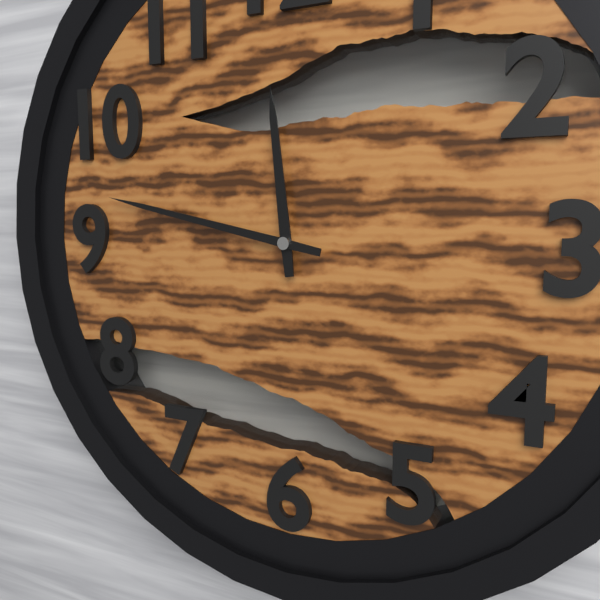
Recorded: 11 h 47 min
